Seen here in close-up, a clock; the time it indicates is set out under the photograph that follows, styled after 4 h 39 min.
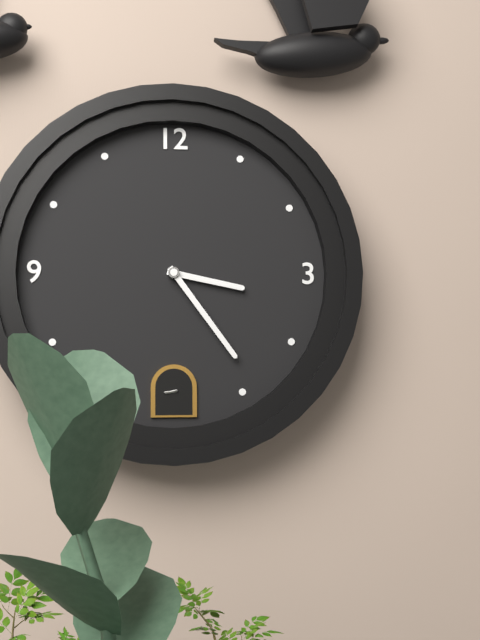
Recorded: 3 h 24 min
